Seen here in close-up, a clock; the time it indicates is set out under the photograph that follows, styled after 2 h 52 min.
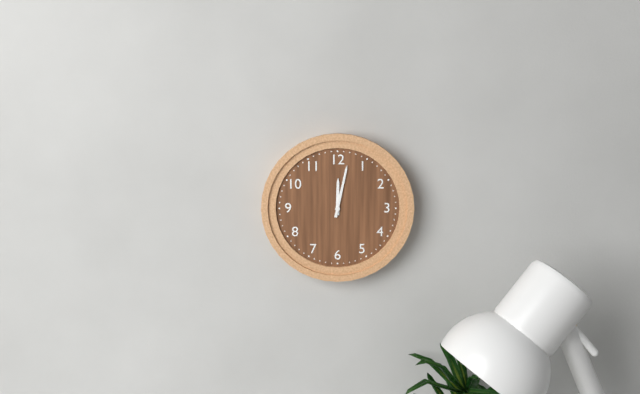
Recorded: 12 h 02 min
